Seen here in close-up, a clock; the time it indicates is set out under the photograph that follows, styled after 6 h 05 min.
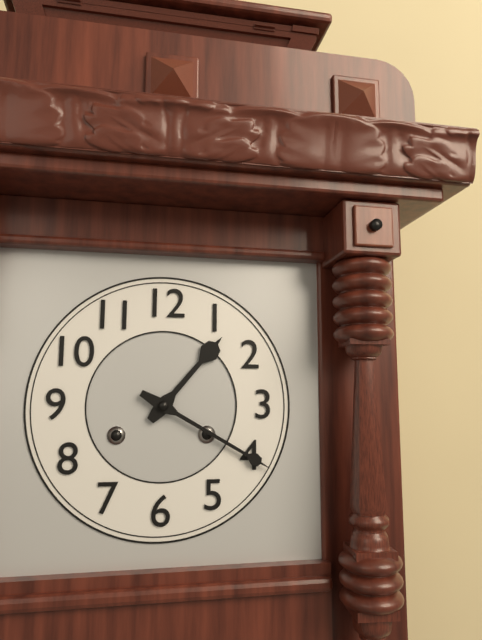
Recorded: 1 h 20 min
